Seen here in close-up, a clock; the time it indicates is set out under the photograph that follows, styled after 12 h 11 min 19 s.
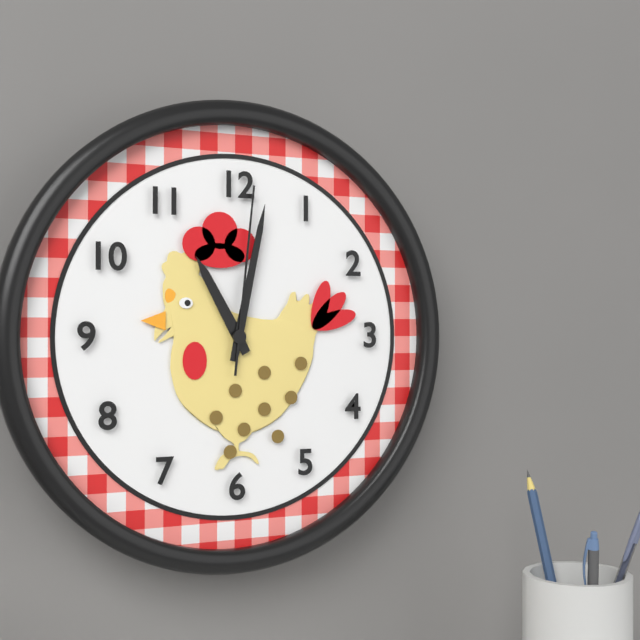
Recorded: 11 h 02 min 01 s
